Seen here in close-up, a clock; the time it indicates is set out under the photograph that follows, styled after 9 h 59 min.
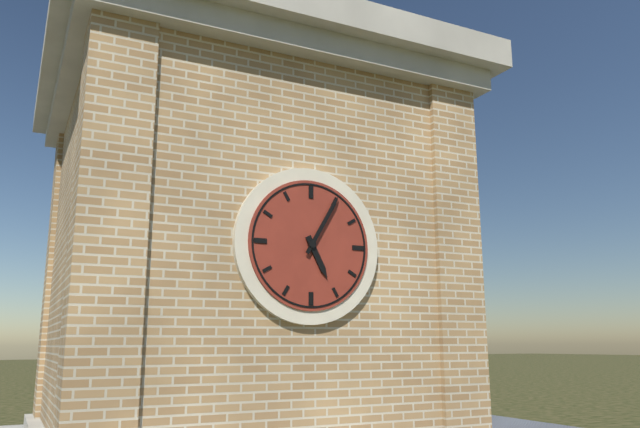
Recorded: 5 h 05 min
